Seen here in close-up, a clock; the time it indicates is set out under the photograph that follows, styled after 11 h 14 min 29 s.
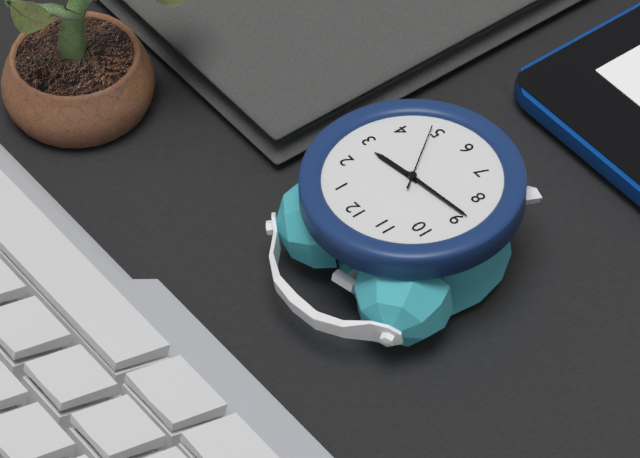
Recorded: 2 h 44 min 24 s
